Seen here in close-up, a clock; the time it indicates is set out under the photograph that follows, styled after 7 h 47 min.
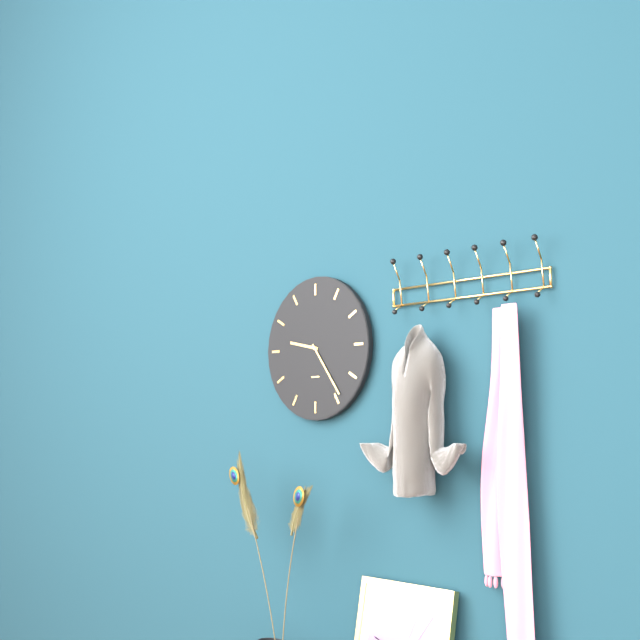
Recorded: 9 h 24 min
